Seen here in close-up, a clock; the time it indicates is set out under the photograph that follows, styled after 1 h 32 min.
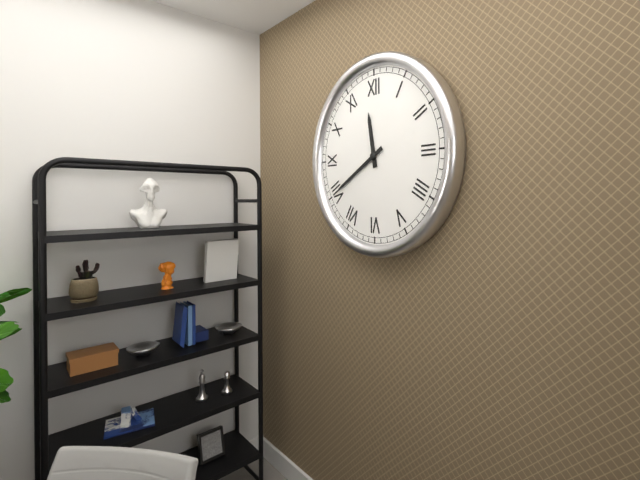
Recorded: 11 h 40 min
